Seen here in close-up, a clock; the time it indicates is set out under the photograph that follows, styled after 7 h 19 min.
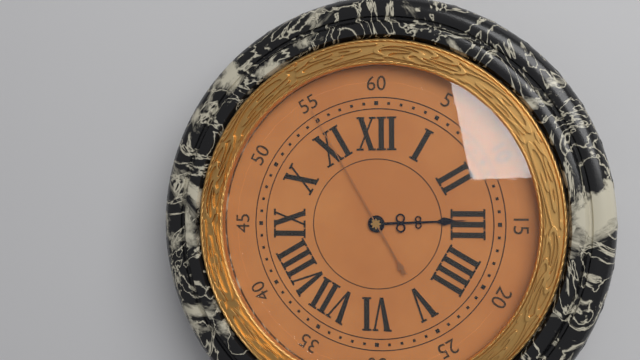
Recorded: 2 h 55 min
